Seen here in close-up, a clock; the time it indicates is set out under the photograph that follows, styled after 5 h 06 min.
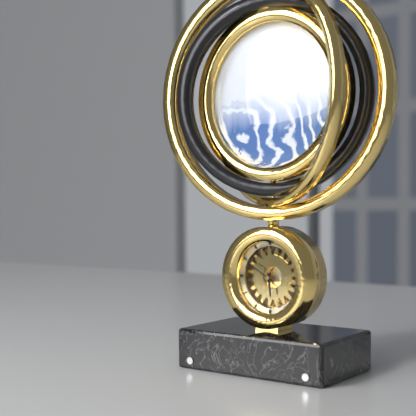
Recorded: 5 h 50 min
